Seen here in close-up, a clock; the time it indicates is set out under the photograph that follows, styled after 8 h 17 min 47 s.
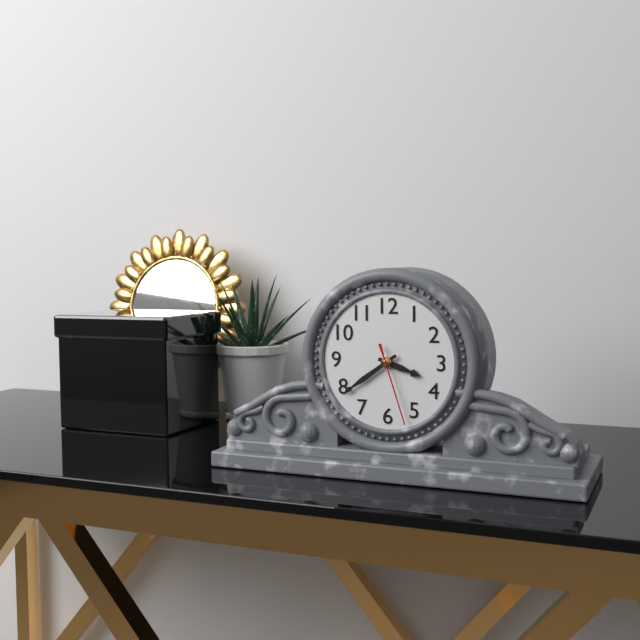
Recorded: 3 h 39 min 27 s
